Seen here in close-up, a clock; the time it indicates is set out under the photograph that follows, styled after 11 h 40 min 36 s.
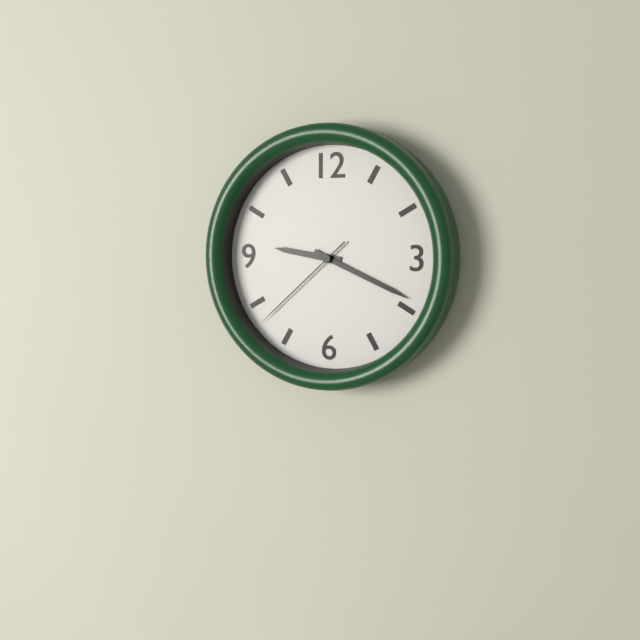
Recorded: 9 h 19 min 38 s
